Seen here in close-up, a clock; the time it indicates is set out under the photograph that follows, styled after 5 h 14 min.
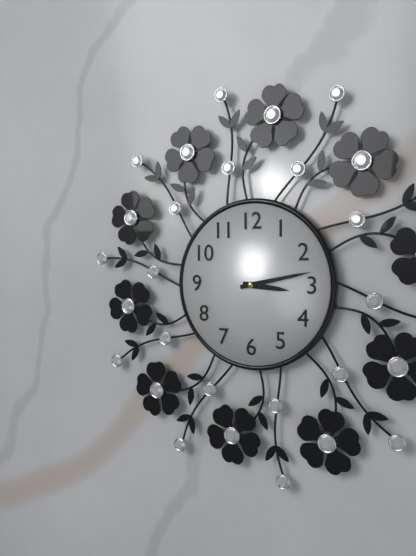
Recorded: 3 h 13 min
